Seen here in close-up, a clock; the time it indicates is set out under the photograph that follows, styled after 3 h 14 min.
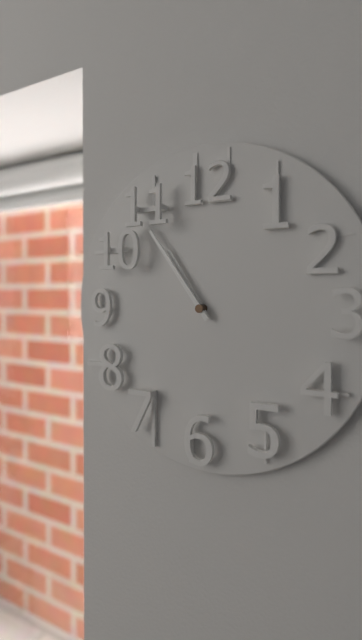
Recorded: 10 h 54 min
